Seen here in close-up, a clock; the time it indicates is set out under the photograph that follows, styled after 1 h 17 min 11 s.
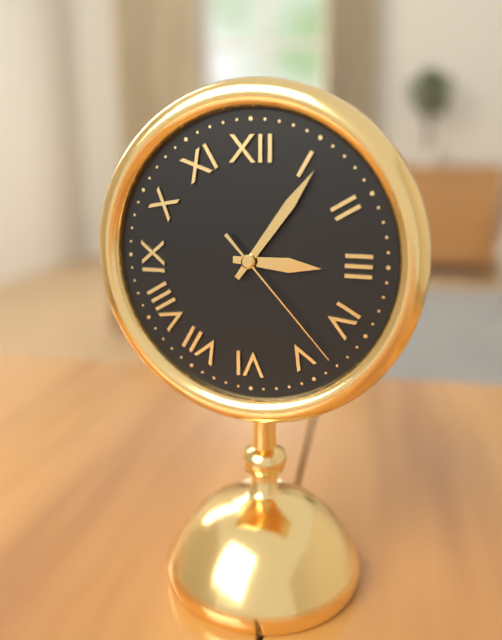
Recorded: 3 h 06 min 23 s
